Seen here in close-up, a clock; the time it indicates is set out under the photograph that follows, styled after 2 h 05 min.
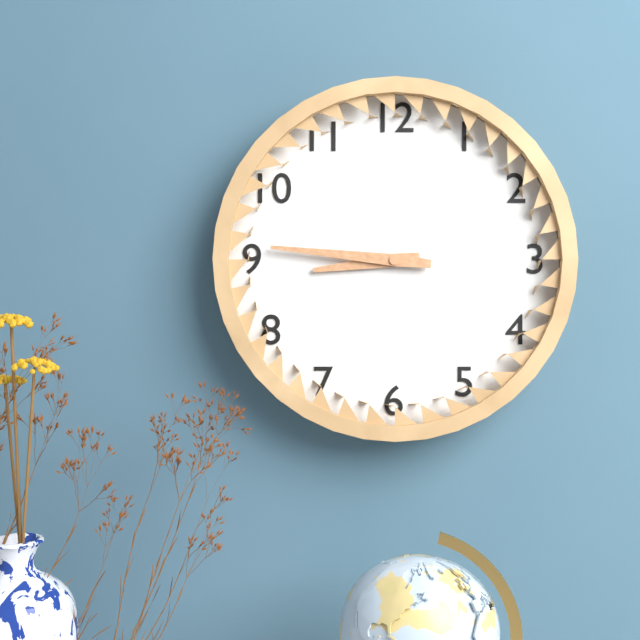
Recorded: 8 h 46 min
